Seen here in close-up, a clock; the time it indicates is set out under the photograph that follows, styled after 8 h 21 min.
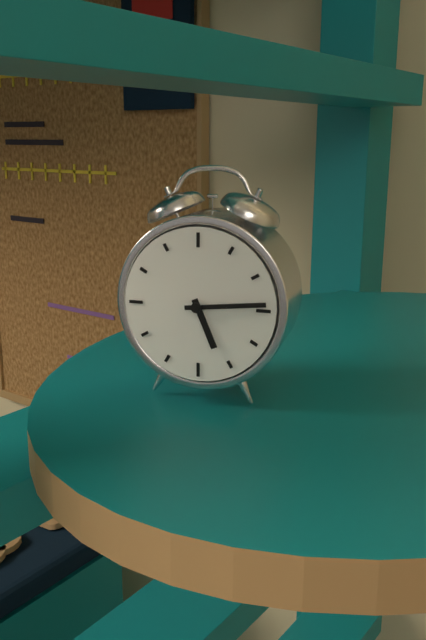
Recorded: 5 h 14 min
